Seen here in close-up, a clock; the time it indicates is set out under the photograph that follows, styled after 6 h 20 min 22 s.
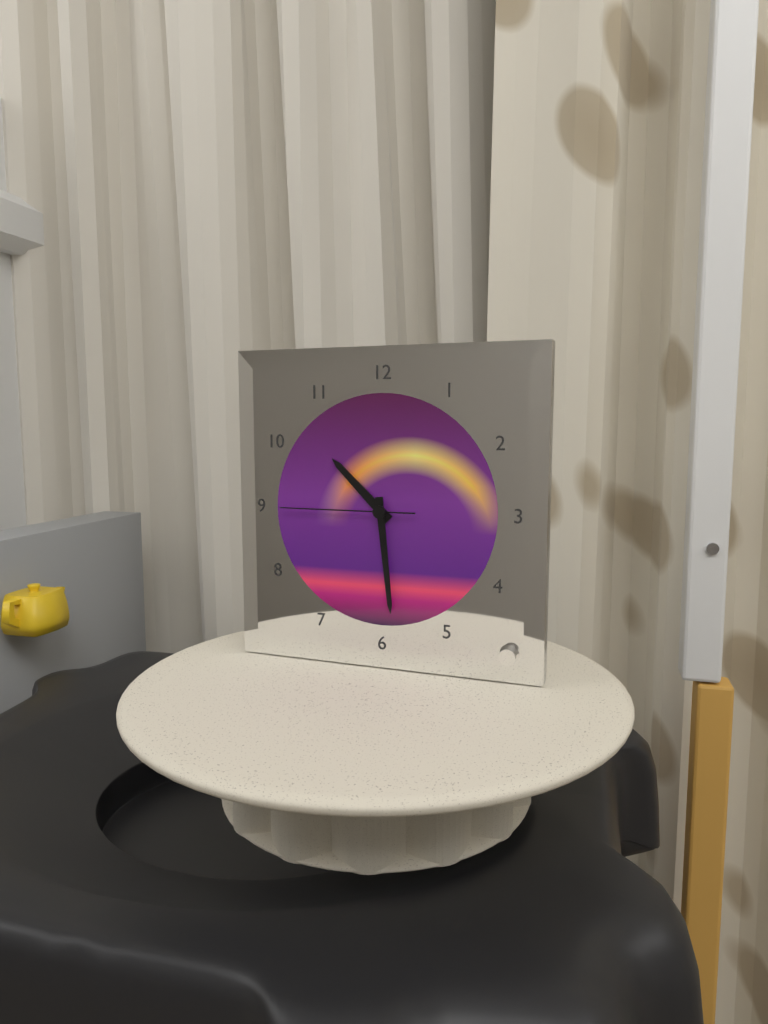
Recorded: 10 h 29 min 45 s
